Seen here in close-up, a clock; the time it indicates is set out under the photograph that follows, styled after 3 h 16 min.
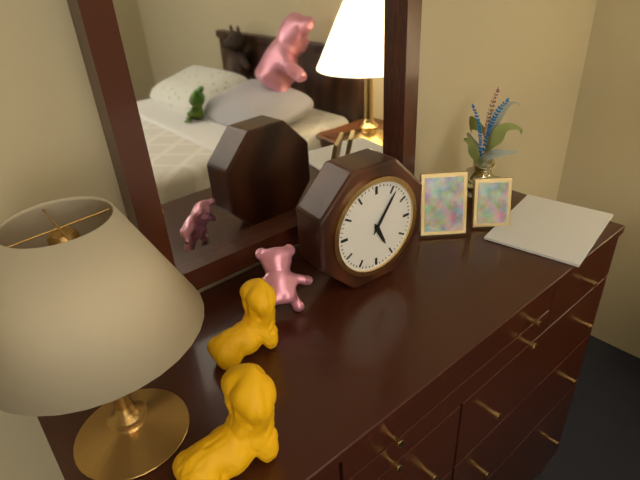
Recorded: 5 h 06 min
